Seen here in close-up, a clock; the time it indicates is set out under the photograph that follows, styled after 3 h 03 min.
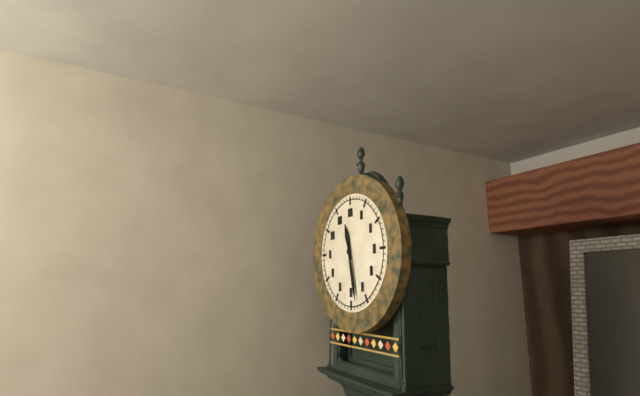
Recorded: 11 h 28 min
